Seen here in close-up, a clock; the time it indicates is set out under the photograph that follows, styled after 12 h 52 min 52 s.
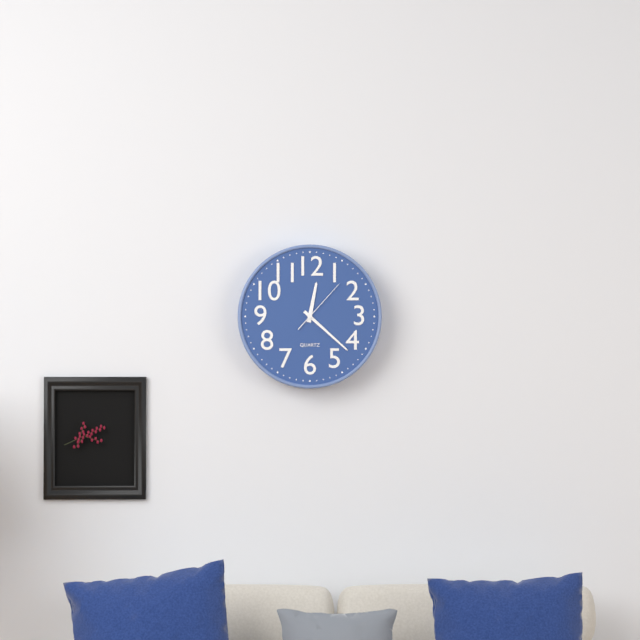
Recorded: 12 h 22 min 07 s
